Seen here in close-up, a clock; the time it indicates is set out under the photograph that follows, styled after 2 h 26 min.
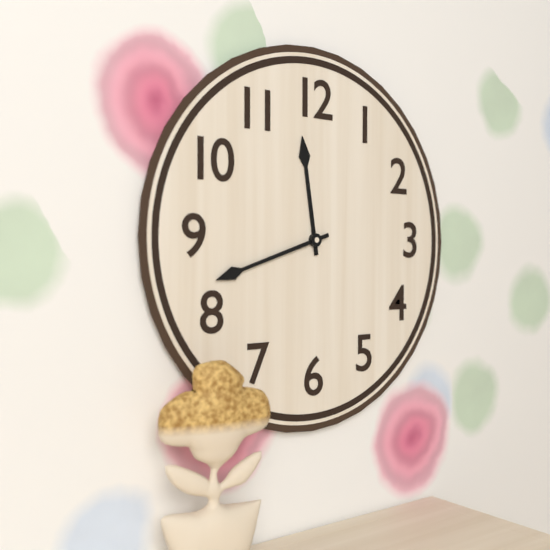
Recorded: 11 h 42 min
